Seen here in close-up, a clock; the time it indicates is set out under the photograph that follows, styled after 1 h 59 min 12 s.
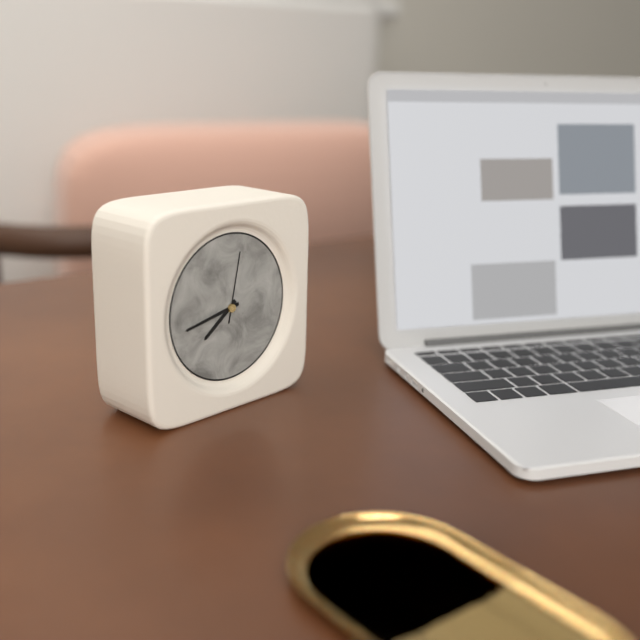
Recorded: 7 h 43 min 02 s
